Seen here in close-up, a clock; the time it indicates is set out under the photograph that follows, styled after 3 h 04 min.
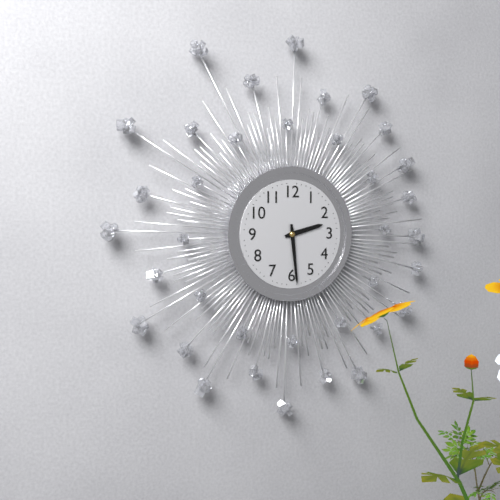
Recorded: 2 h 29 min
